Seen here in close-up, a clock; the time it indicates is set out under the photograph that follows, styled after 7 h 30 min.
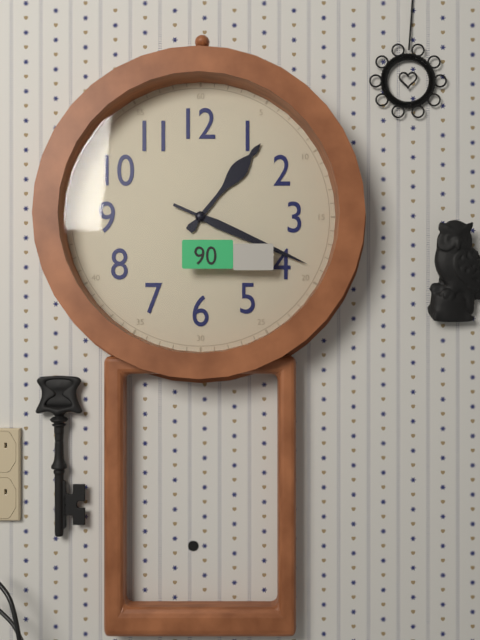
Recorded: 1 h 19 min
